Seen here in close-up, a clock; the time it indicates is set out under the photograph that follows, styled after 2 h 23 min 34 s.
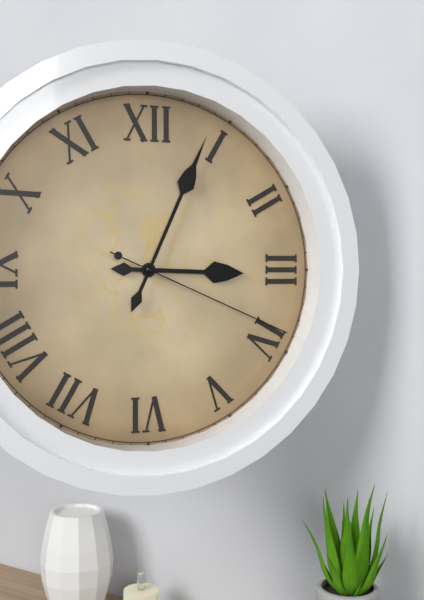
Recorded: 3 h 04 min 19 s
